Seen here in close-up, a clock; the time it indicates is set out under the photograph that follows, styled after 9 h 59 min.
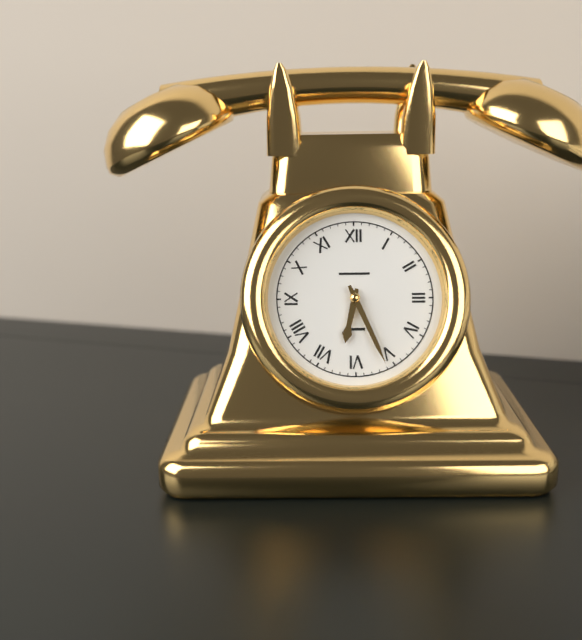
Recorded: 6 h 26 min
